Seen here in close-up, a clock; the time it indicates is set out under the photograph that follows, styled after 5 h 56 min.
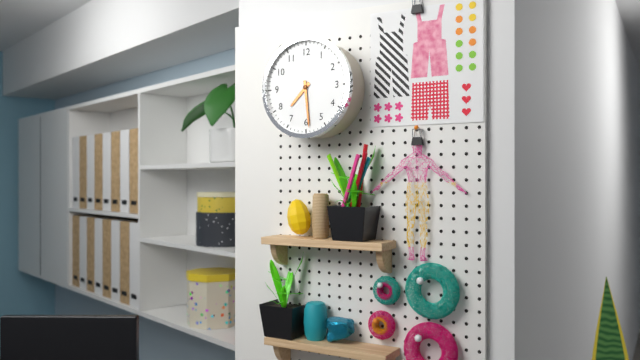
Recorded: 7 h 29 min
